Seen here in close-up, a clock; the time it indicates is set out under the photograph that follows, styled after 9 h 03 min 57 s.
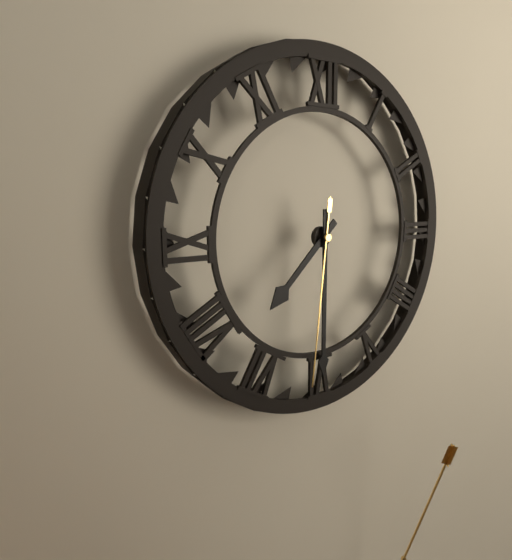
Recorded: 7 h 30 min 31 s
